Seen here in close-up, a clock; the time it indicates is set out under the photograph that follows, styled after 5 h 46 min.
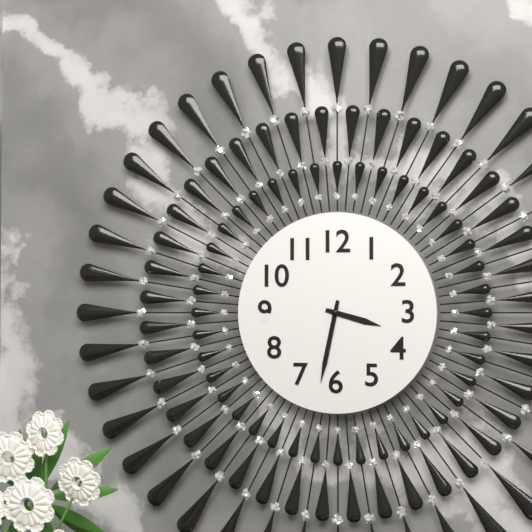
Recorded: 3 h 32 min
